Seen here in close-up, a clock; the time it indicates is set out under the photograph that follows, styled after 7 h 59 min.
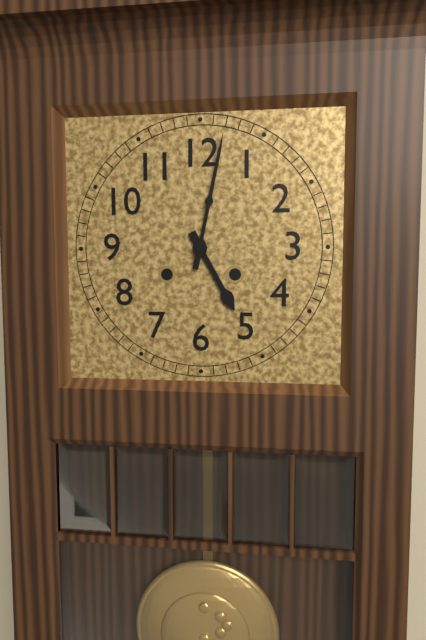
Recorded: 5 h 02 min
